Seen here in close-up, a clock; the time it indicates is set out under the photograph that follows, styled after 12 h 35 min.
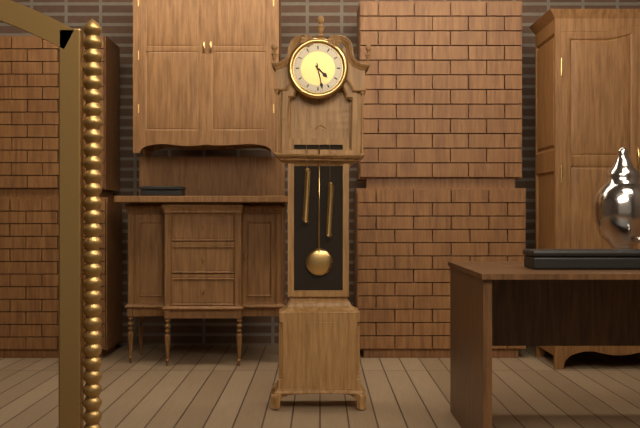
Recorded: 4 h 28 min
